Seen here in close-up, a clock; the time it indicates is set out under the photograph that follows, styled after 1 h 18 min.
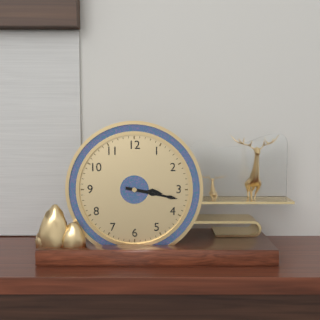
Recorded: 3 h 17 min
